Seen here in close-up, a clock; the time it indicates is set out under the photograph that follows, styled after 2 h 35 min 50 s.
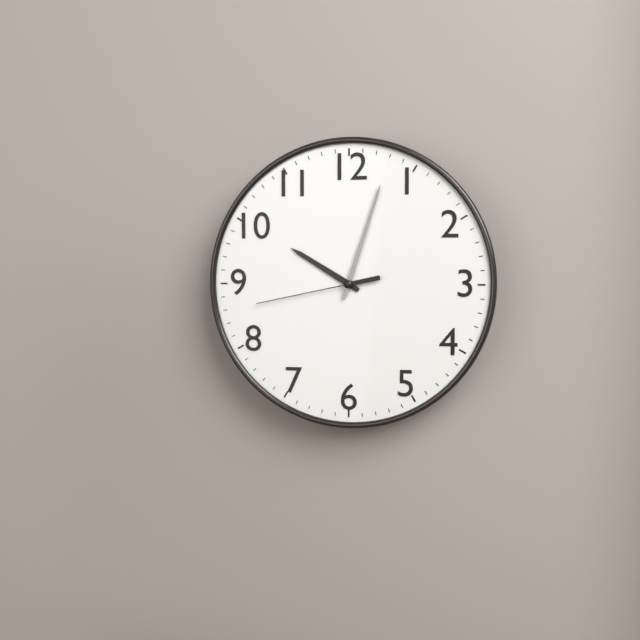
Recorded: 10 h 03 min 43 s
